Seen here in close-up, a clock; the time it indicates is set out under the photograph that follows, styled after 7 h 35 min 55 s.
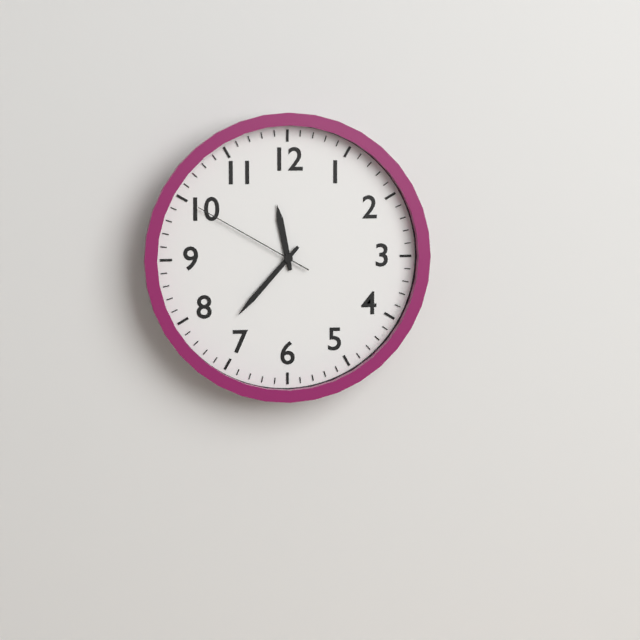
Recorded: 11 h 37 min 50 s
